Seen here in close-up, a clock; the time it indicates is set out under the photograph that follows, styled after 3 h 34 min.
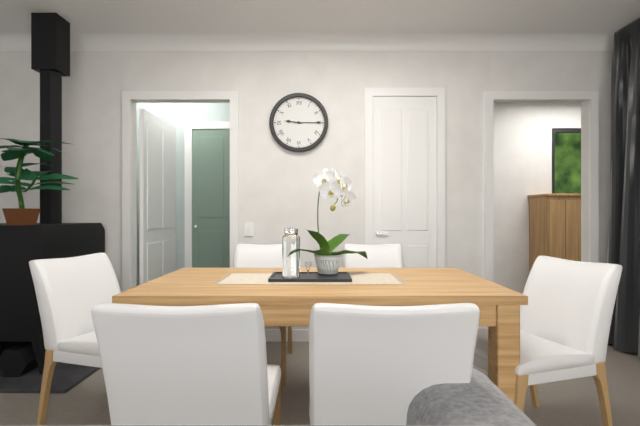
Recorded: 9 h 15 min
